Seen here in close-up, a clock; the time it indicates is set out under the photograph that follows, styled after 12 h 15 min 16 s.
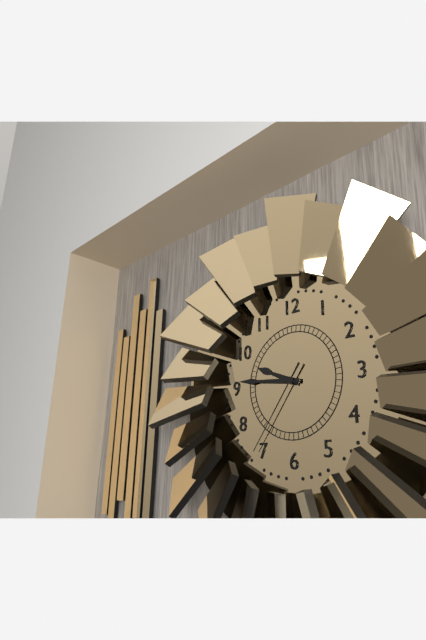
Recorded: 9 h 46 min 36 s
